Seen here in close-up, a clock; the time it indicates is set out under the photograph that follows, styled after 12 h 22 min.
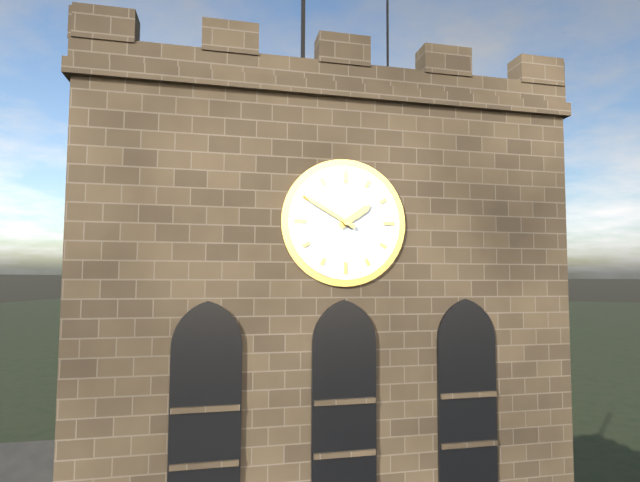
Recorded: 1 h 50 min
